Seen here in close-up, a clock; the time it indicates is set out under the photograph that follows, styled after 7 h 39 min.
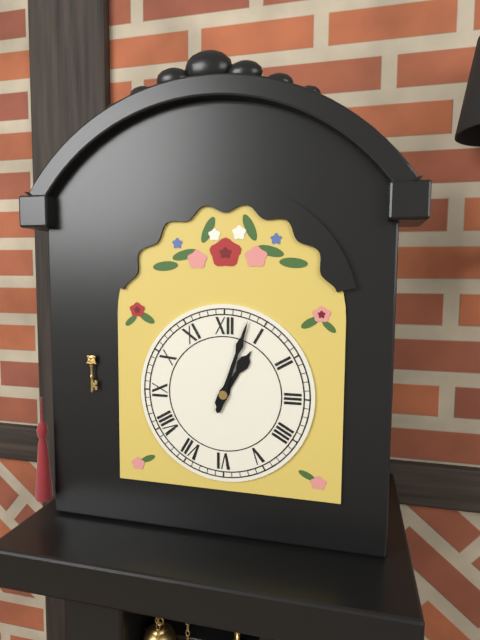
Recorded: 1 h 03 min
